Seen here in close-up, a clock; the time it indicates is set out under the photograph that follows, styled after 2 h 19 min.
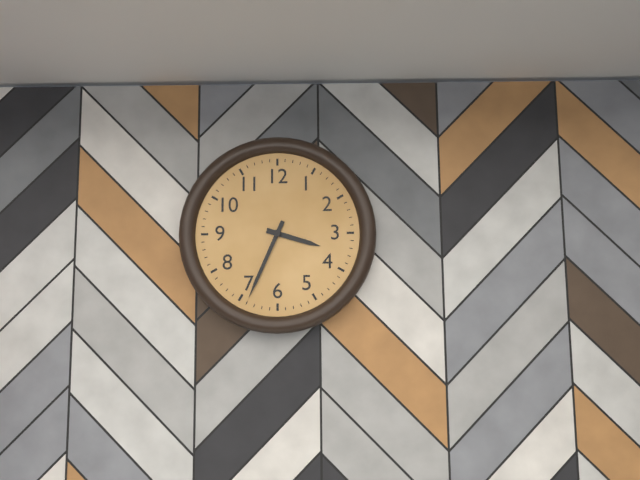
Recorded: 3 h 34 min
